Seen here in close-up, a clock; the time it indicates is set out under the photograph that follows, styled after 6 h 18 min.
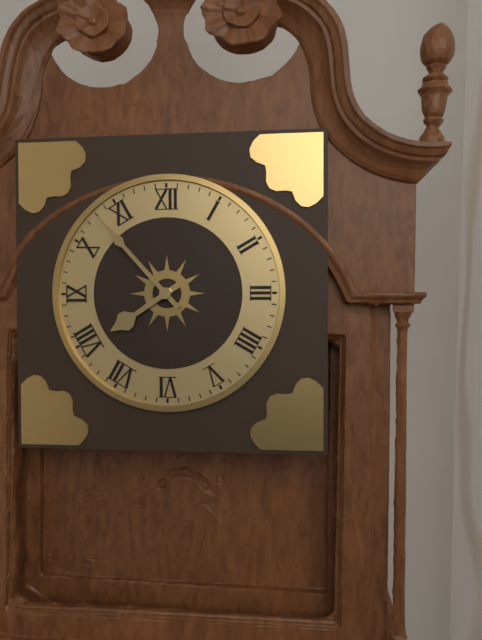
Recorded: 7 h 53 min
